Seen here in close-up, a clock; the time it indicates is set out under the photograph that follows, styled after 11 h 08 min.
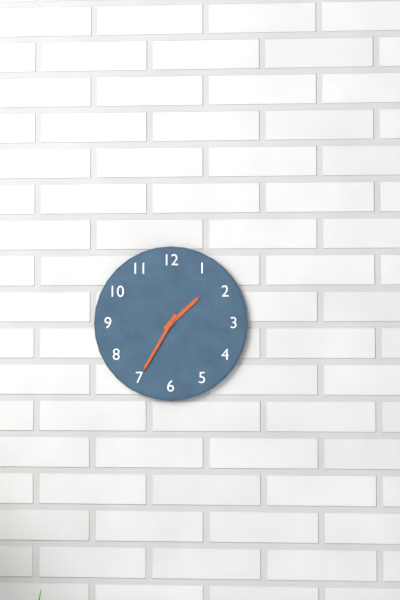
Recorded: 1 h 35 min
